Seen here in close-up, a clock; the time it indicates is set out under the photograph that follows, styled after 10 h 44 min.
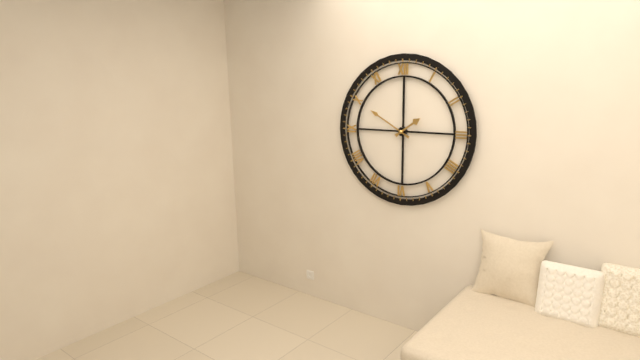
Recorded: 1 h 50 min
